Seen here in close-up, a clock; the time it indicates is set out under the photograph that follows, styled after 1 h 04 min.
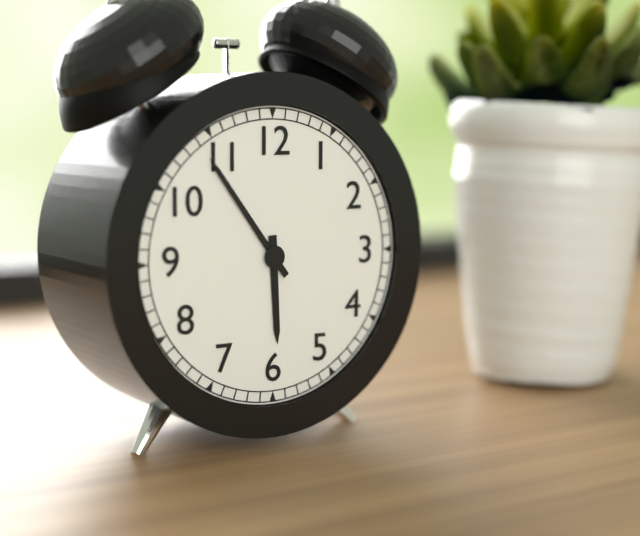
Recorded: 5 h 54 min
